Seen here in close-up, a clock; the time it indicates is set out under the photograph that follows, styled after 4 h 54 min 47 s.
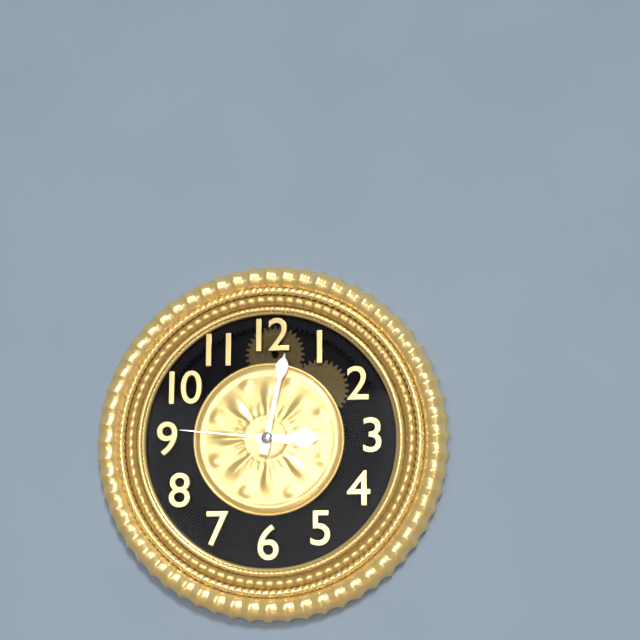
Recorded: 3 h 02 min 46 s
